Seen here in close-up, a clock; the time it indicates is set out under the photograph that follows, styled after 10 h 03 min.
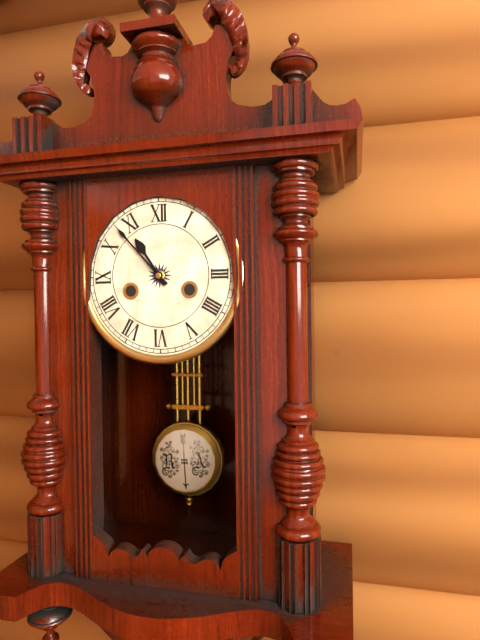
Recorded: 10 h 53 min
